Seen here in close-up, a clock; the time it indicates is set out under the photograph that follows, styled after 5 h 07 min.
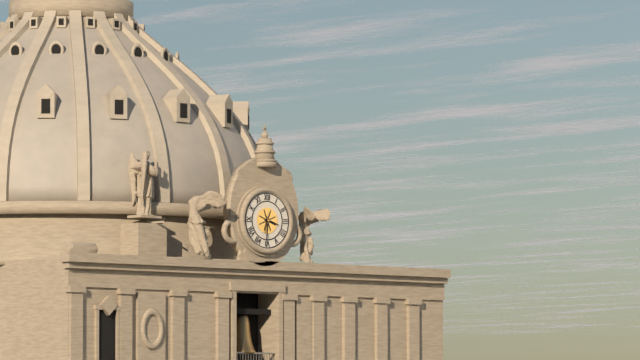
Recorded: 3 h 31 min
